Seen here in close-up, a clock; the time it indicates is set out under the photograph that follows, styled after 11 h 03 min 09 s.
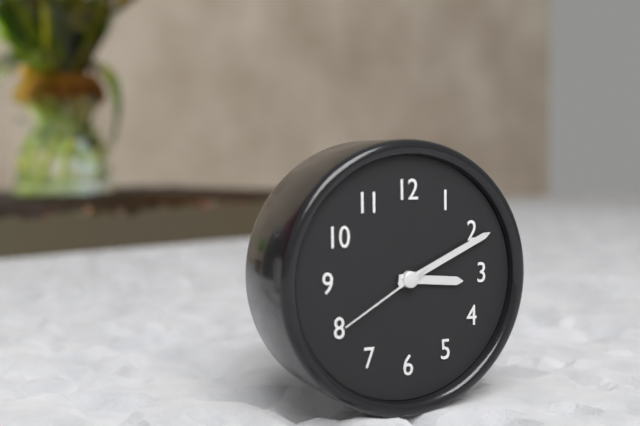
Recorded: 3 h 11 min 40 s
